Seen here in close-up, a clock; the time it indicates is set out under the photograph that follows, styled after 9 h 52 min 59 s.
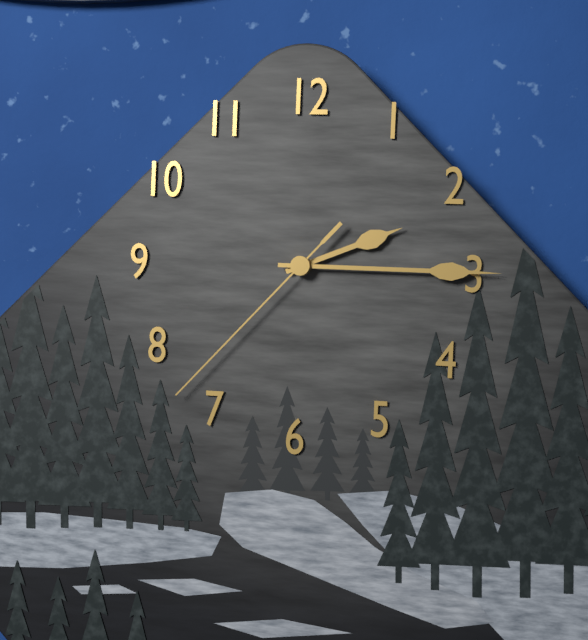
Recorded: 2 h 15 min 37 s
